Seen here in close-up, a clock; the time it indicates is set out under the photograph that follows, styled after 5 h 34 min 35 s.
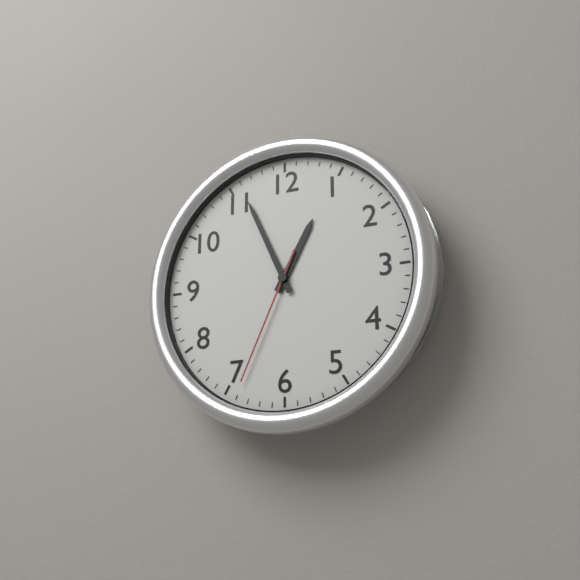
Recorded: 12 h 56 min 34 s
